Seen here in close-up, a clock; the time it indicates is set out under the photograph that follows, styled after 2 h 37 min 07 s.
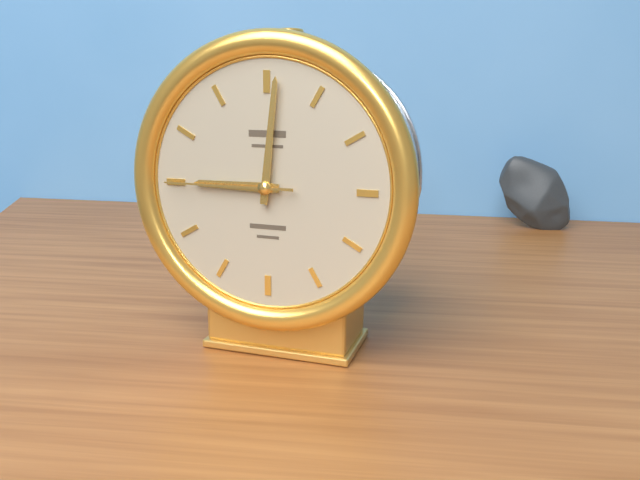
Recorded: 9 h 01 min 45 s
